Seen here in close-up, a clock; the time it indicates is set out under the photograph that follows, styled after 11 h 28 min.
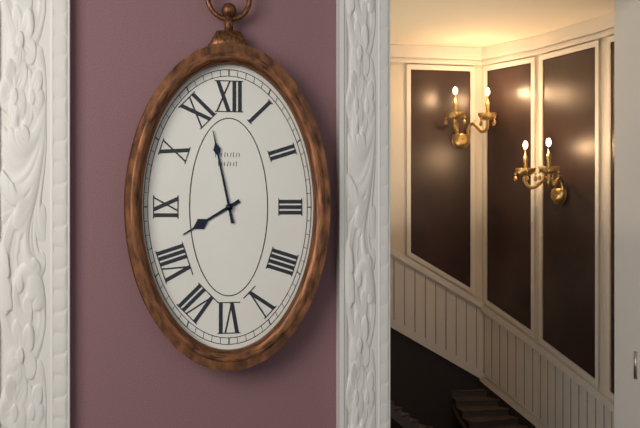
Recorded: 7 h 58 min
